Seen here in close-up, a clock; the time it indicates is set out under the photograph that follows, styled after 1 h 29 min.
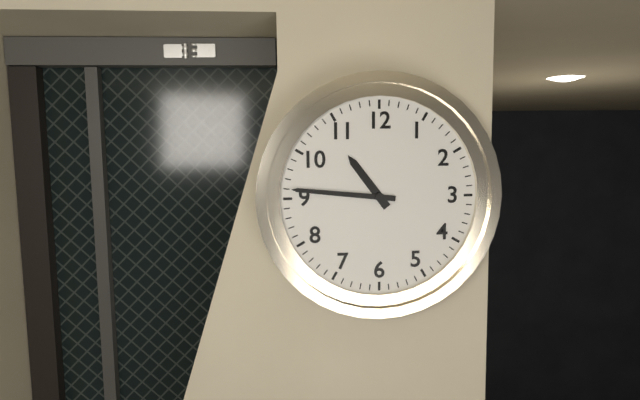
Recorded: 10 h 46 min
